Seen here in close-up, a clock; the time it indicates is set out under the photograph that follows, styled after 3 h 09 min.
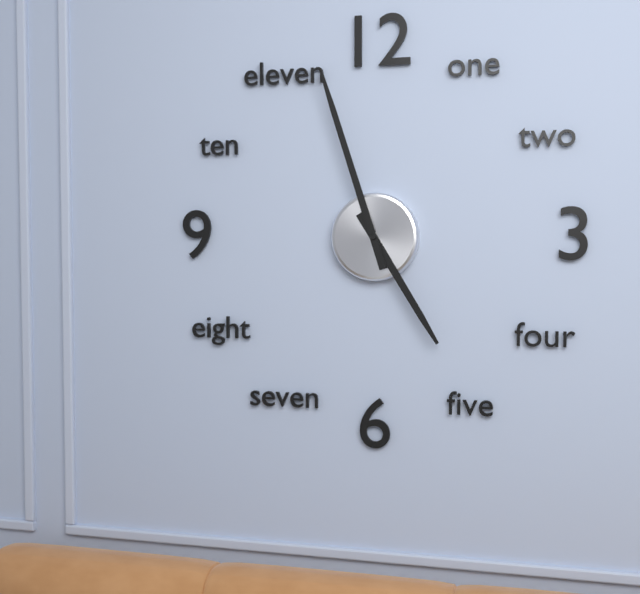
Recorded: 4 h 57 min
